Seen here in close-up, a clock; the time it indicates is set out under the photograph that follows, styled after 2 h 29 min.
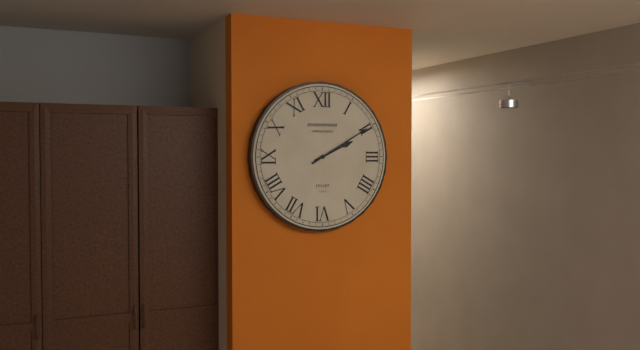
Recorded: 2 h 10 min
